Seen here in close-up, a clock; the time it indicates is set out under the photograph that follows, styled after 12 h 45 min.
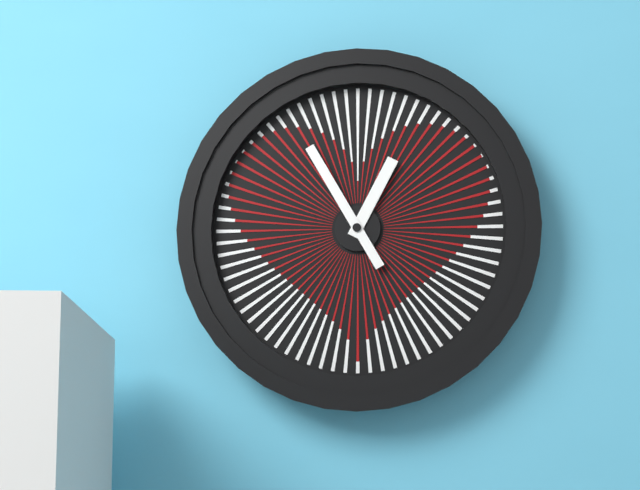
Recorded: 12 h 55 min
